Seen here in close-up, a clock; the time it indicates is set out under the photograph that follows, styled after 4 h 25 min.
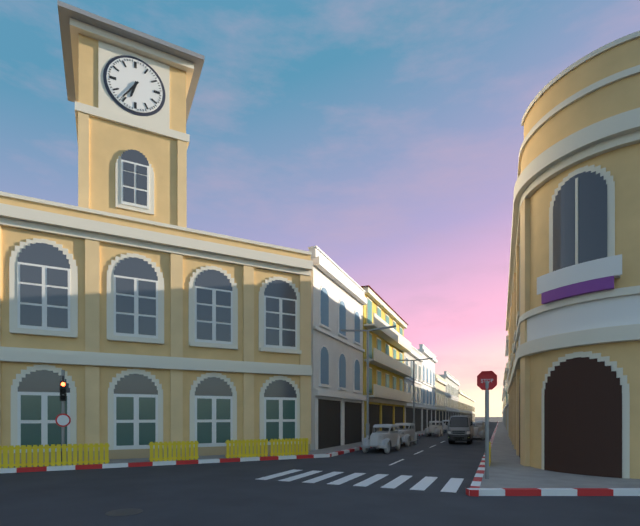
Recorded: 6 h 36 min
